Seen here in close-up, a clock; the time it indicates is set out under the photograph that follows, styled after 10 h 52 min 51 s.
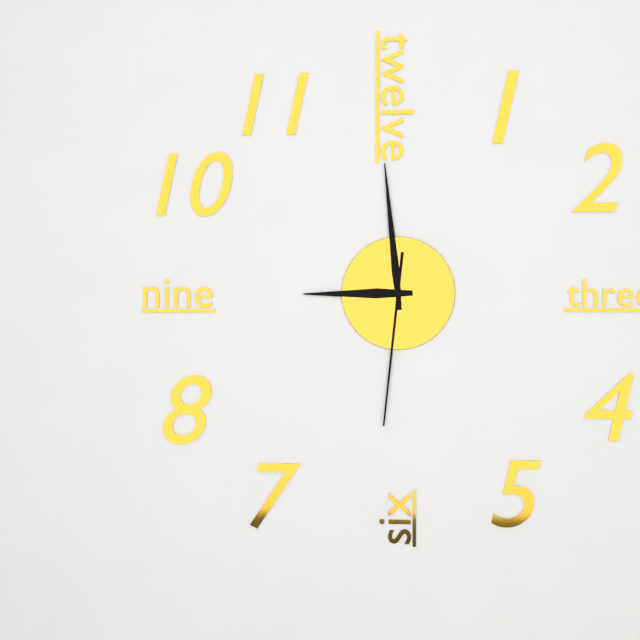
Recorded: 8 h 59 min 31 s
